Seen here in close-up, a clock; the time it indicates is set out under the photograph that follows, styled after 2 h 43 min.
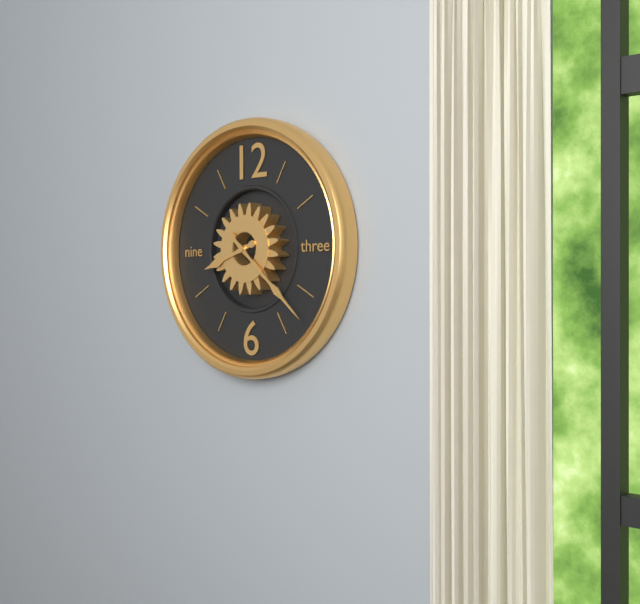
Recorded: 8 h 22 min
